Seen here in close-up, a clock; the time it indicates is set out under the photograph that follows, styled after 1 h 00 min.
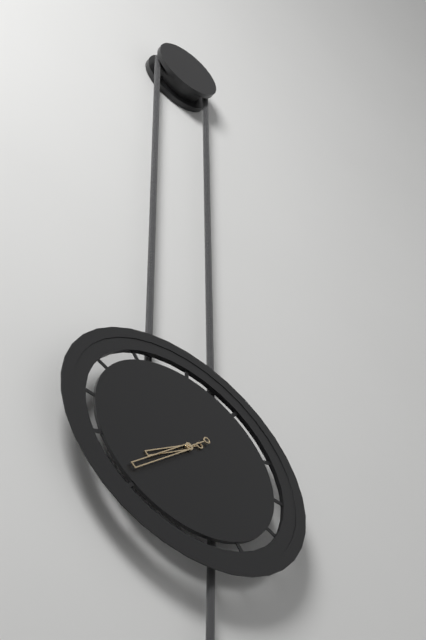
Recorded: 7 h 37 min
